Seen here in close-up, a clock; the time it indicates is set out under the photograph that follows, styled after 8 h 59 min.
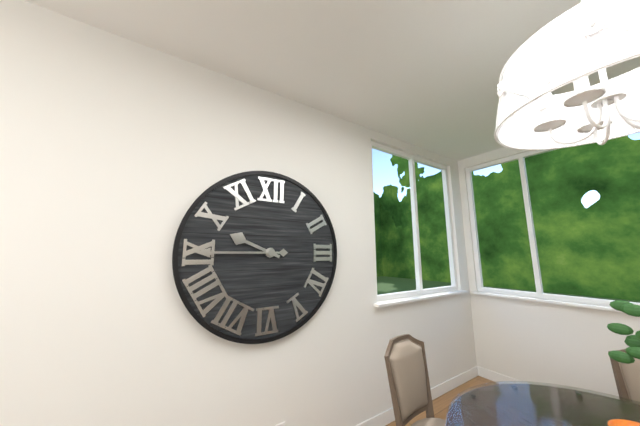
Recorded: 9 h 45 min
